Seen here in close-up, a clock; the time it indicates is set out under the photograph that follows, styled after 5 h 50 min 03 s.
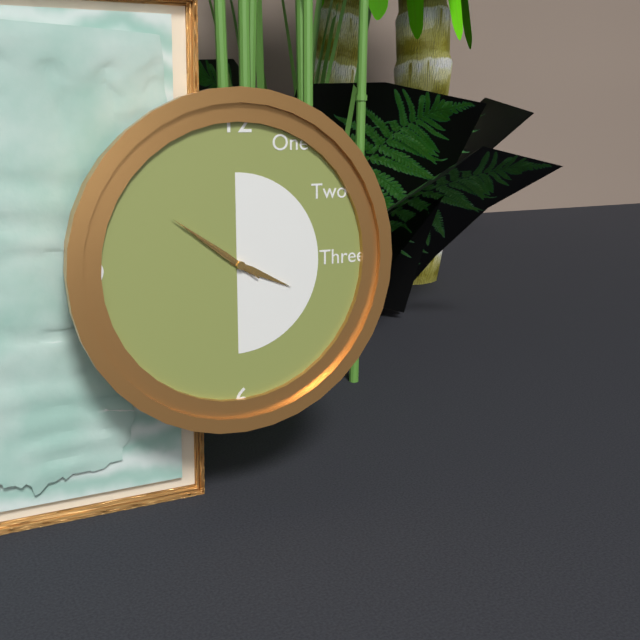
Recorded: 3 h 51 min 51 s
